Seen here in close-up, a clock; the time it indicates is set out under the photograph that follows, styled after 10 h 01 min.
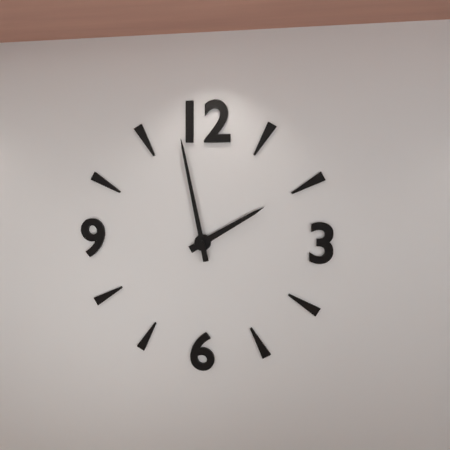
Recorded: 1 h 58 min
